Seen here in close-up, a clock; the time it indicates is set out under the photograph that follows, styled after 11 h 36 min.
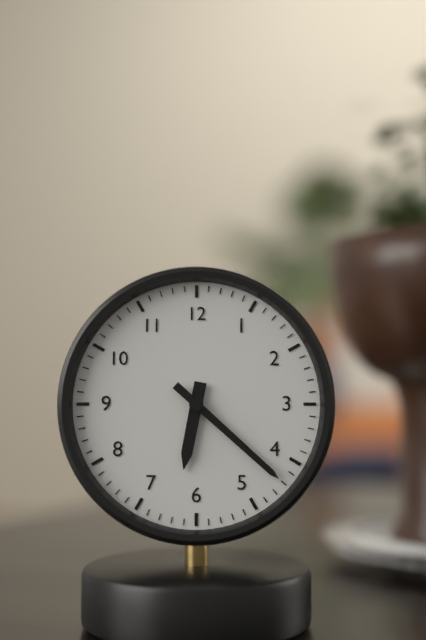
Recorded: 6 h 22 min
